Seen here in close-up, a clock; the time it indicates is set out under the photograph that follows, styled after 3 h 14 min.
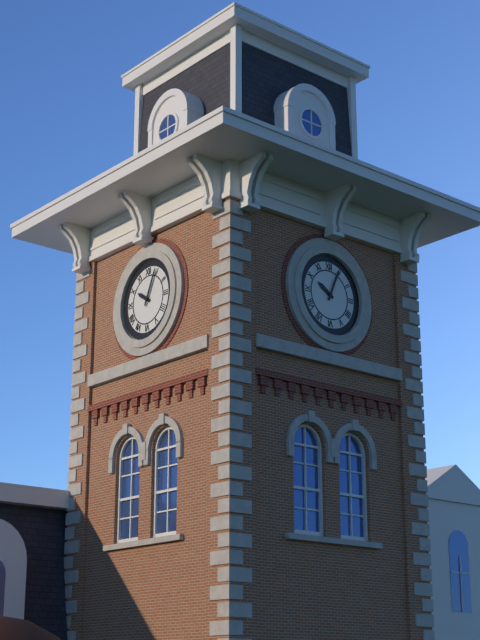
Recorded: 10 h 04 min
